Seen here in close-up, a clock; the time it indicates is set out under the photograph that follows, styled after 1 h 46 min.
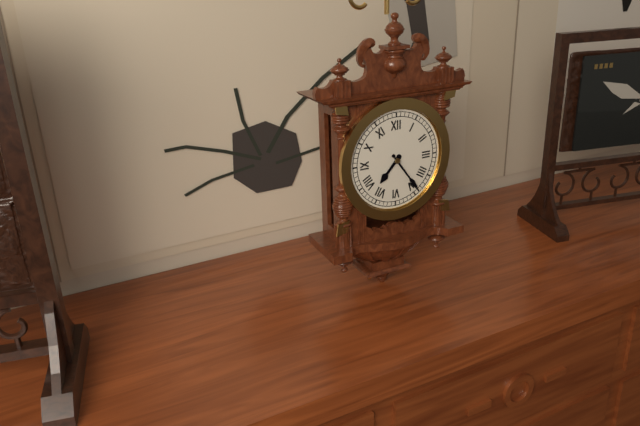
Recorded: 7 h 24 min
